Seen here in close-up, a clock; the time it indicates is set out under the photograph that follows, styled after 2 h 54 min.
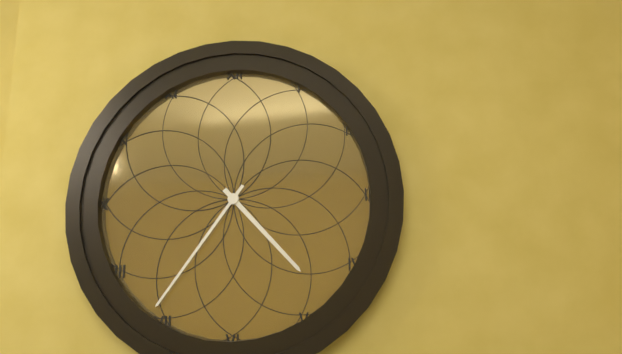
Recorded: 4 h 36 min
